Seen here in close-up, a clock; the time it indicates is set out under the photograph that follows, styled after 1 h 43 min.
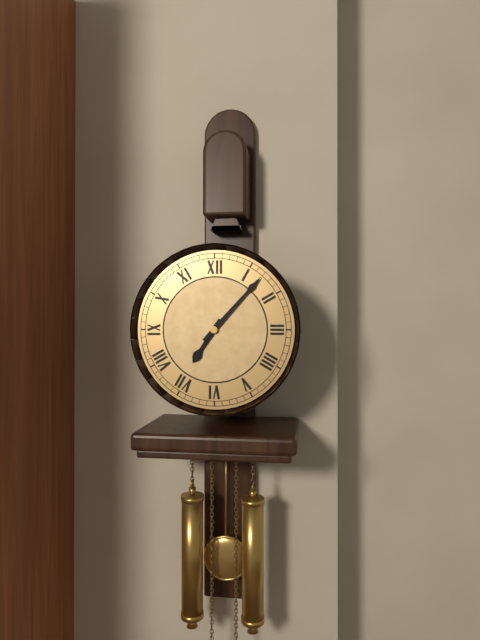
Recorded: 7 h 07 min
